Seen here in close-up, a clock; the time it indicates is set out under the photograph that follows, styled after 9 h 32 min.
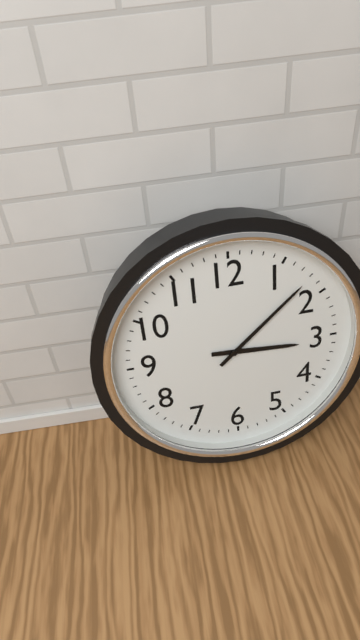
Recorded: 3 h 08 min
